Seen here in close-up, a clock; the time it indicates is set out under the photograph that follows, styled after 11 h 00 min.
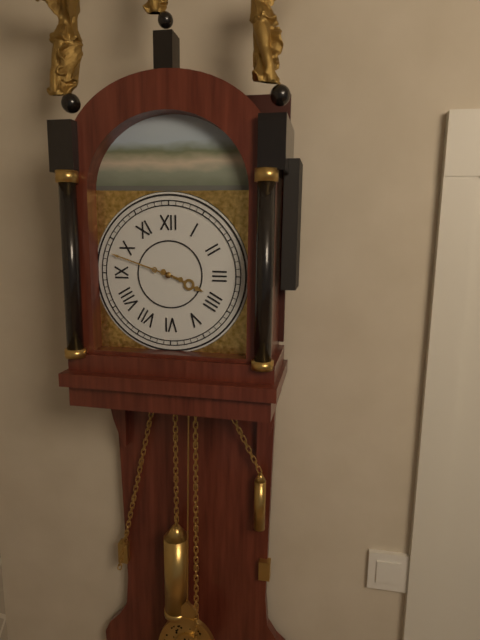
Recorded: 3 h 48 min
